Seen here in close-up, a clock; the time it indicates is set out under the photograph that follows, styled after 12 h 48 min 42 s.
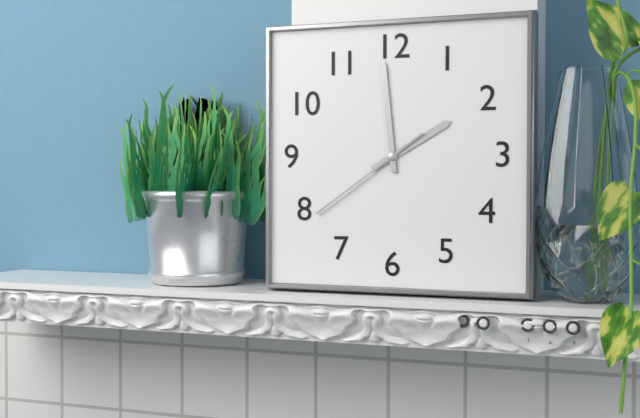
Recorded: 1 h 59 min 39 s
